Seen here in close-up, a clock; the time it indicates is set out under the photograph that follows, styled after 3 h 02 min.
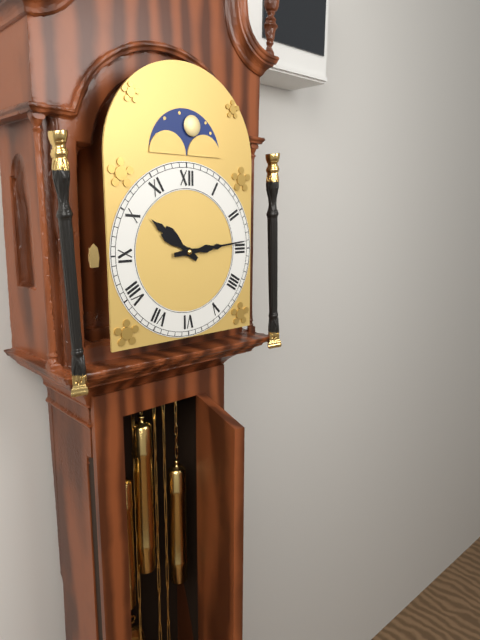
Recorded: 10 h 14 min
